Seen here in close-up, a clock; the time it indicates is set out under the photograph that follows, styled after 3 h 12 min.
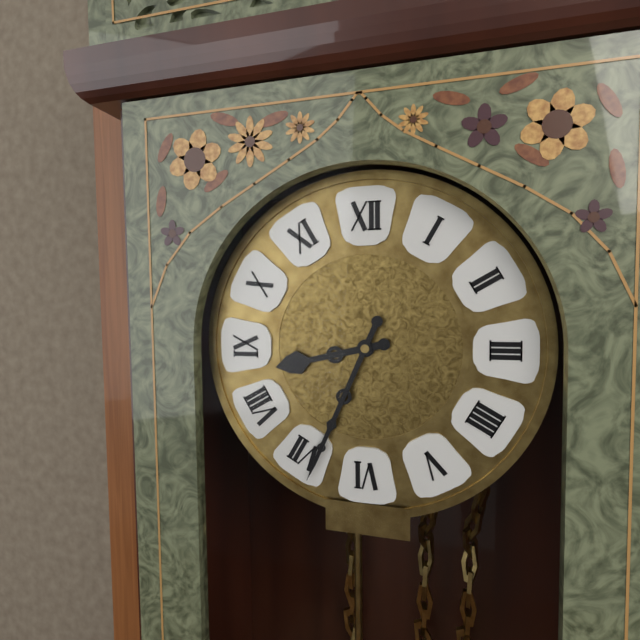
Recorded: 8 h 34 min
